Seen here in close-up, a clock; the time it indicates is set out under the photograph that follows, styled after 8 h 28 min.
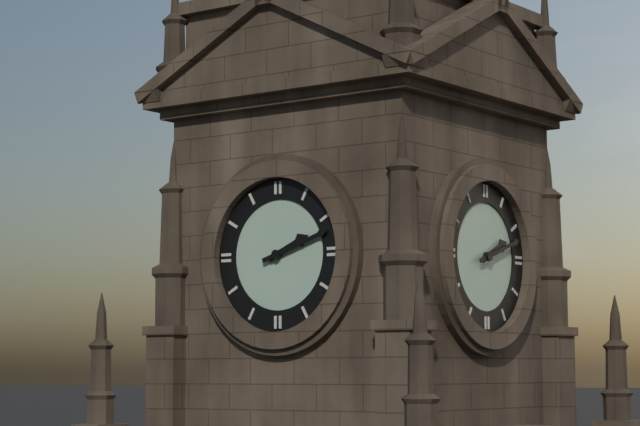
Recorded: 2 h 12 min
